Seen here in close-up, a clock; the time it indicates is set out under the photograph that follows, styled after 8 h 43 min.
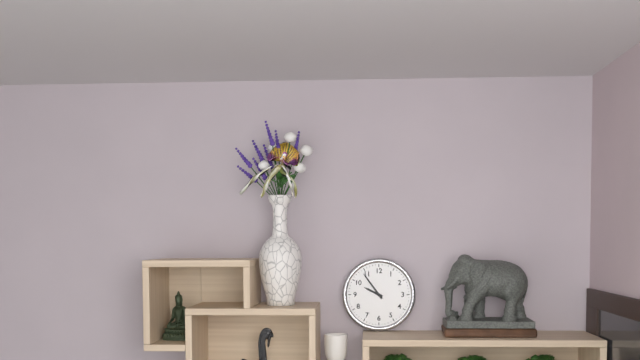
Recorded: 9 h 54 min
